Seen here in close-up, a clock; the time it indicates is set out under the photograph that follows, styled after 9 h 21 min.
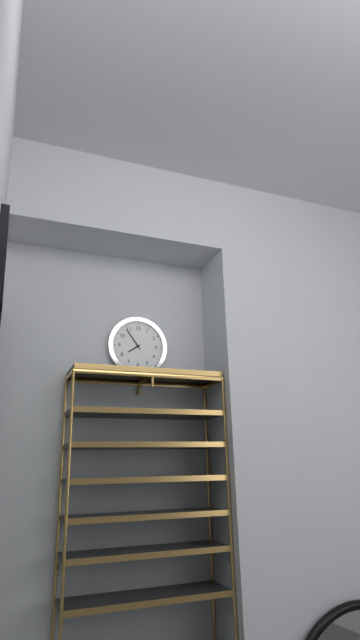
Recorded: 7 h 54 min
